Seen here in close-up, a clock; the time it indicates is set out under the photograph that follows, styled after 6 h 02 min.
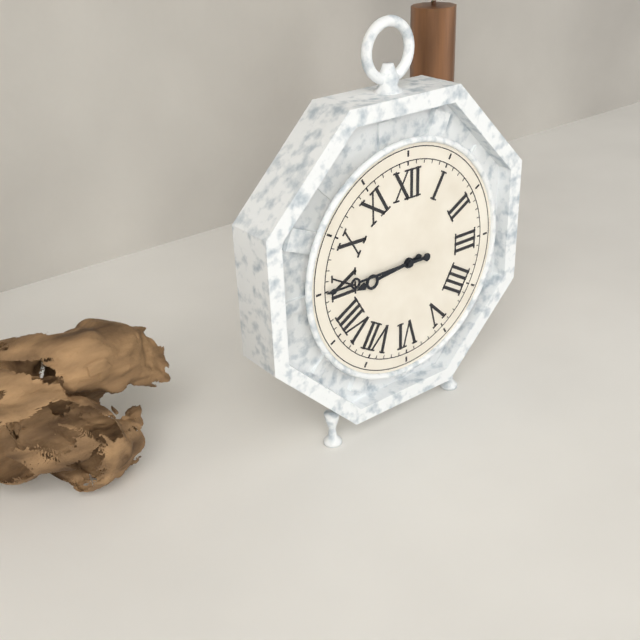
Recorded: 8 h 45 min
